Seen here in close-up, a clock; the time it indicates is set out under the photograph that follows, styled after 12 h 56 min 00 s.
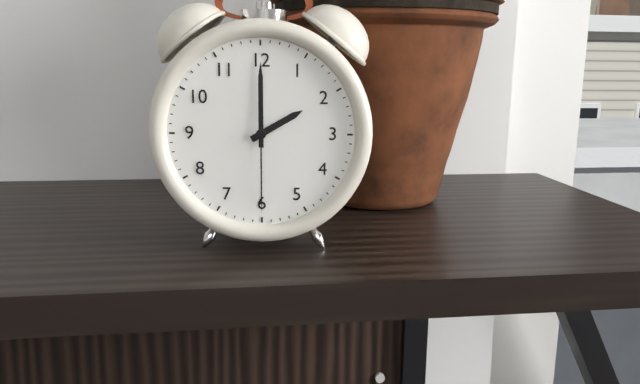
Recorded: 2 h 00 min 30 s
